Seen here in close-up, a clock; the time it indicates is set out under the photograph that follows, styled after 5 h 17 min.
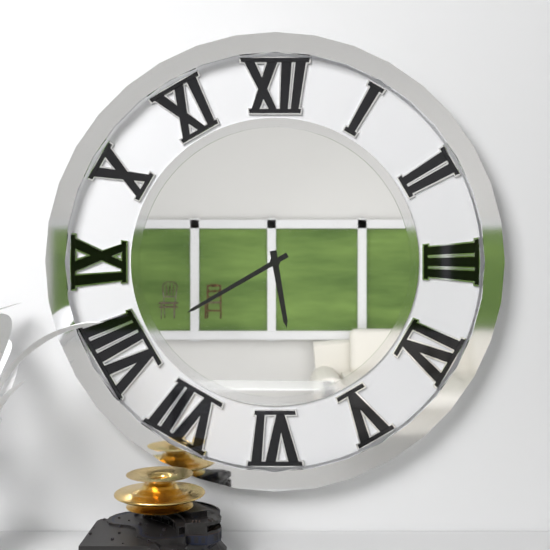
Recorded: 5 h 40 min
